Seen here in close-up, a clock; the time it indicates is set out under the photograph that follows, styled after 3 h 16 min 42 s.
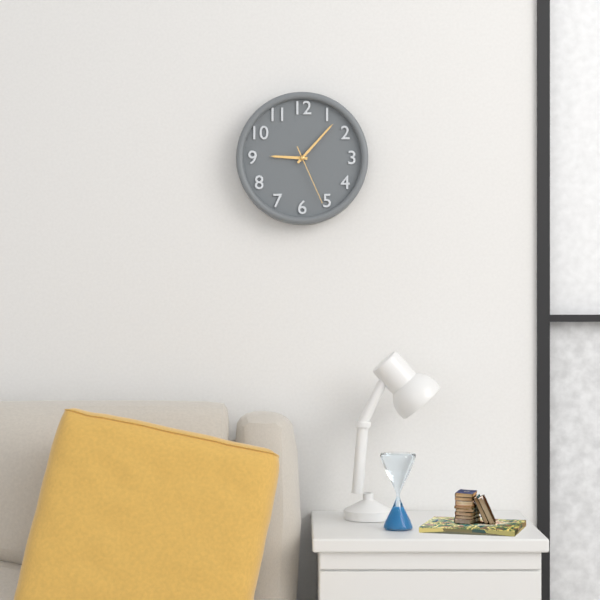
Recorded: 9 h 07 min 26 s
